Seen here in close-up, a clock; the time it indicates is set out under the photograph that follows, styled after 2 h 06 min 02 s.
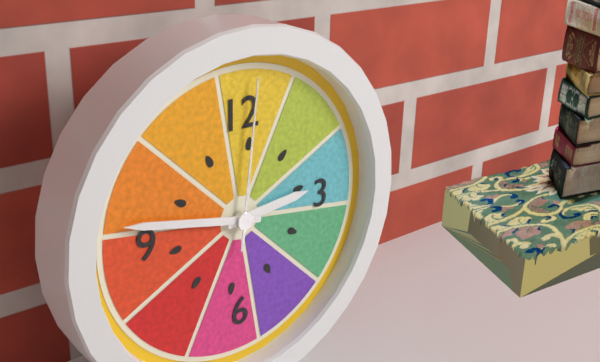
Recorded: 2 h 47 min 01 s
